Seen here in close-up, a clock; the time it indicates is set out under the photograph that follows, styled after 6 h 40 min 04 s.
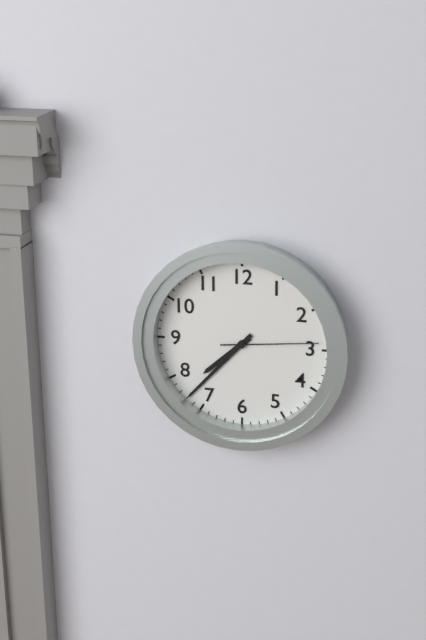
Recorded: 7 h 37 min 14 s
